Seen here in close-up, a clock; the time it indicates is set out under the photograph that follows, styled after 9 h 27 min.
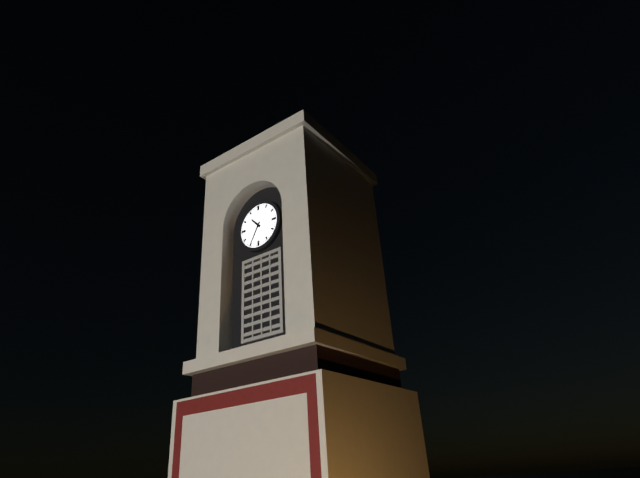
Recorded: 10 h 35 min
